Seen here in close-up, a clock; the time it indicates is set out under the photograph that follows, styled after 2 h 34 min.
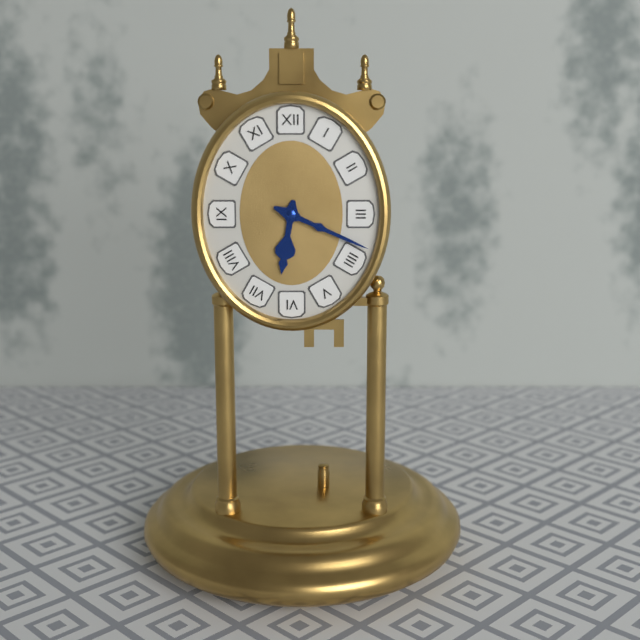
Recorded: 6 h 19 min
